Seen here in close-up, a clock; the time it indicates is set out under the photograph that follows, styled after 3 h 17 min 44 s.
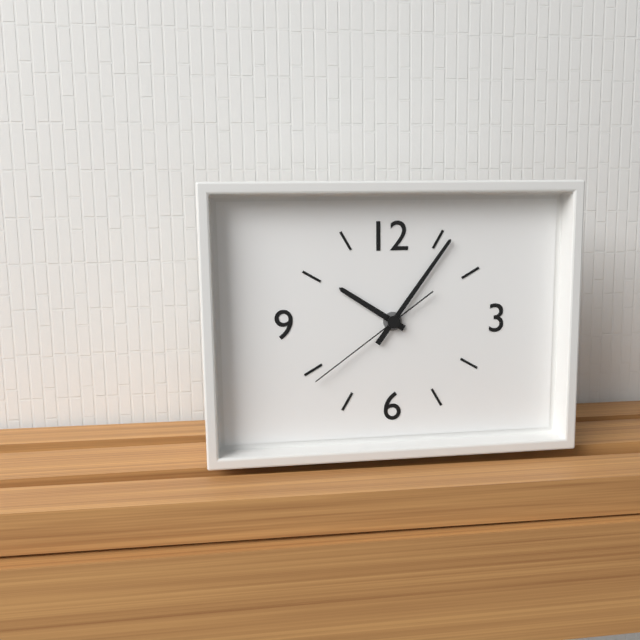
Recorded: 10 h 06 min 39 s
